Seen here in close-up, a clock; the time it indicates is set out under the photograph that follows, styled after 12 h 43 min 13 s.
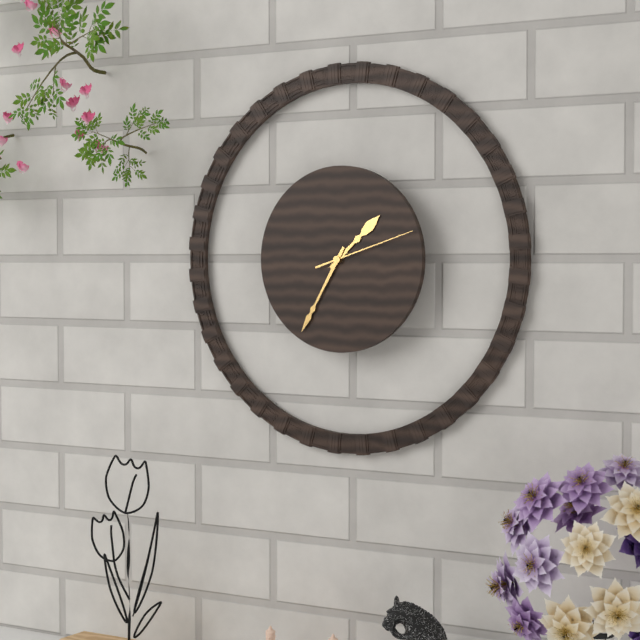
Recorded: 1 h 35 min 12 s
